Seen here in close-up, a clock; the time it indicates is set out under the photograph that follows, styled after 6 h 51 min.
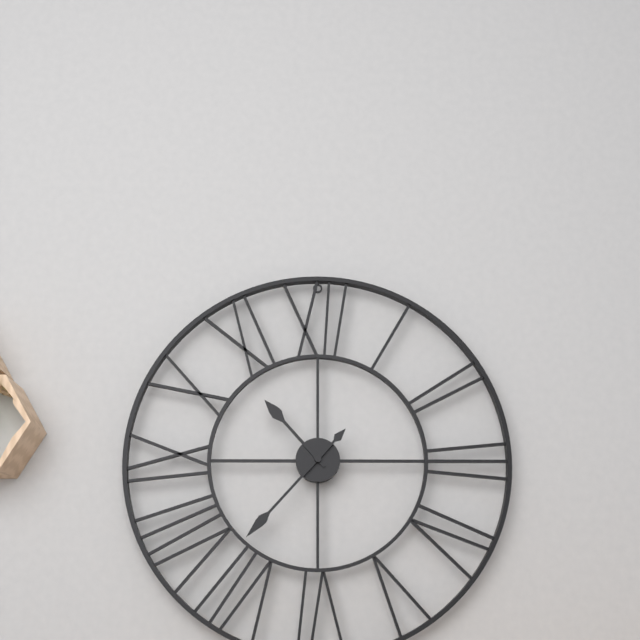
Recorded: 10 h 37 min
